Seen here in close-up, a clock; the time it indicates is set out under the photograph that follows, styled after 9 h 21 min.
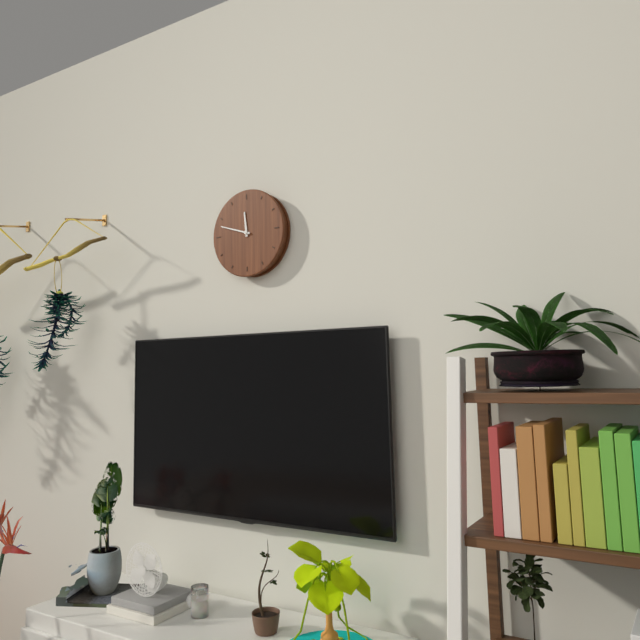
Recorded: 11 h 48 min
